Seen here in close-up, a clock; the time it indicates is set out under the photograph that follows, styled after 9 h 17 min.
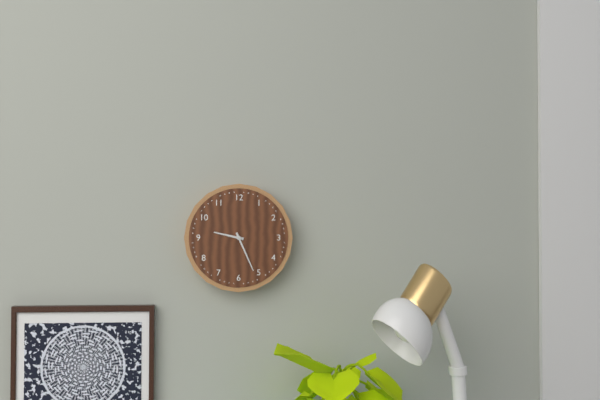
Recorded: 9 h 26 min
